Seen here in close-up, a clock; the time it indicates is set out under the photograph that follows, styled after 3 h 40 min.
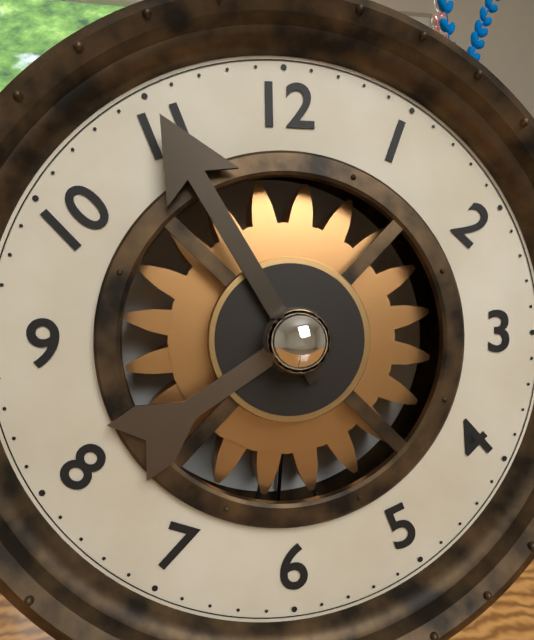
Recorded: 7 h 55 min
